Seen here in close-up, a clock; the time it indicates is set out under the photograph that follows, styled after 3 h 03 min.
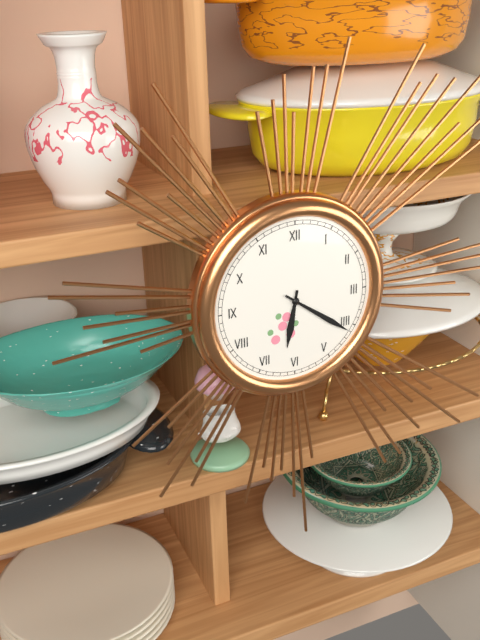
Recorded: 6 h 21 min
